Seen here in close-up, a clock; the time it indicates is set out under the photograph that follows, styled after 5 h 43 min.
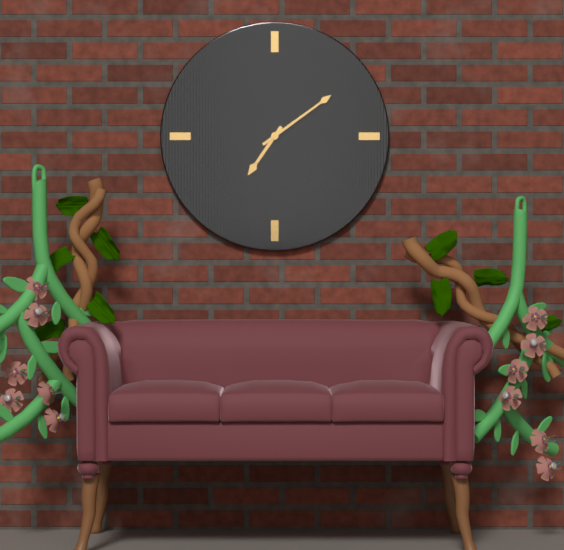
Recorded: 7 h 09 min
